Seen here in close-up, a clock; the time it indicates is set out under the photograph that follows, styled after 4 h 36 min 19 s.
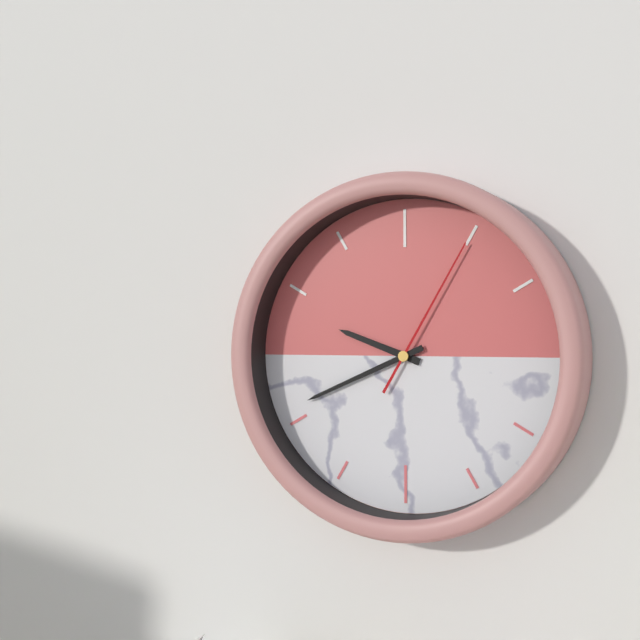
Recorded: 9 h 41 min 05 s
